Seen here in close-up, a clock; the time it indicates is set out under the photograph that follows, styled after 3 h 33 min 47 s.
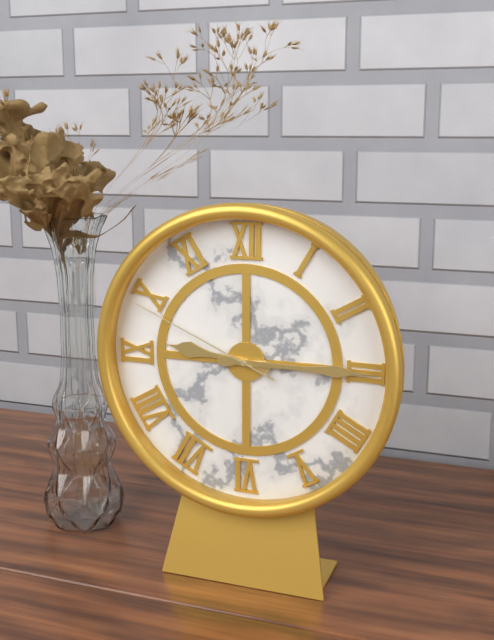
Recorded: 9 h 15 min 49 s
